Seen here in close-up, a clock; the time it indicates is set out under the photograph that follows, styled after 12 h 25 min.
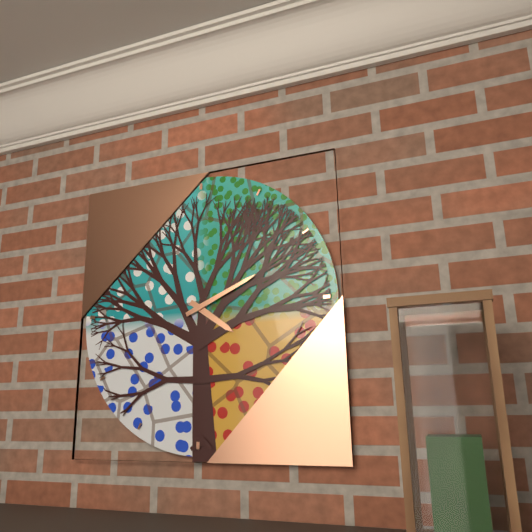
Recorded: 4 h 11 min
